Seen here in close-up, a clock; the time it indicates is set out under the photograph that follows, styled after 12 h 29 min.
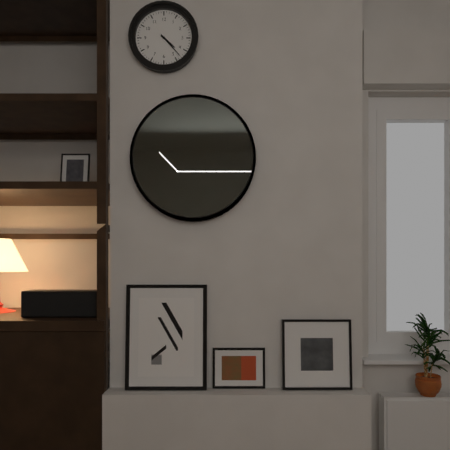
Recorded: 4 h 23 min
